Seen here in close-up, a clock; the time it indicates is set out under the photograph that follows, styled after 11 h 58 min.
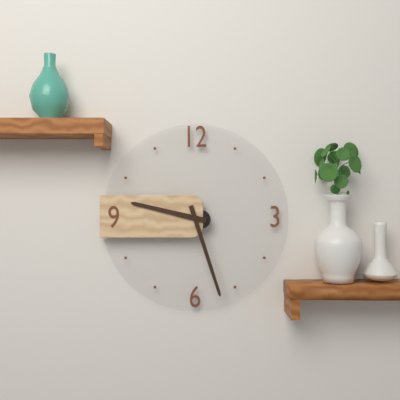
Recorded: 9 h 27 min
